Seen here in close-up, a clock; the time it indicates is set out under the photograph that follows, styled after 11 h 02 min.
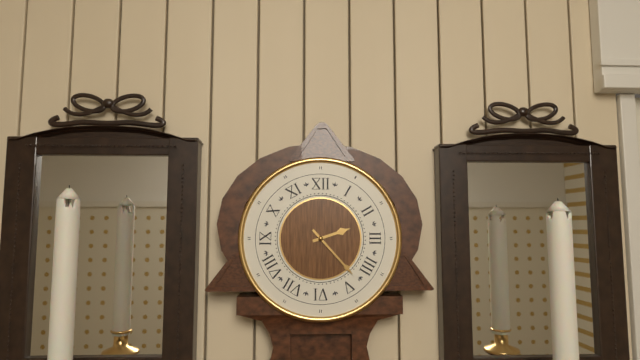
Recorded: 2 h 23 min
